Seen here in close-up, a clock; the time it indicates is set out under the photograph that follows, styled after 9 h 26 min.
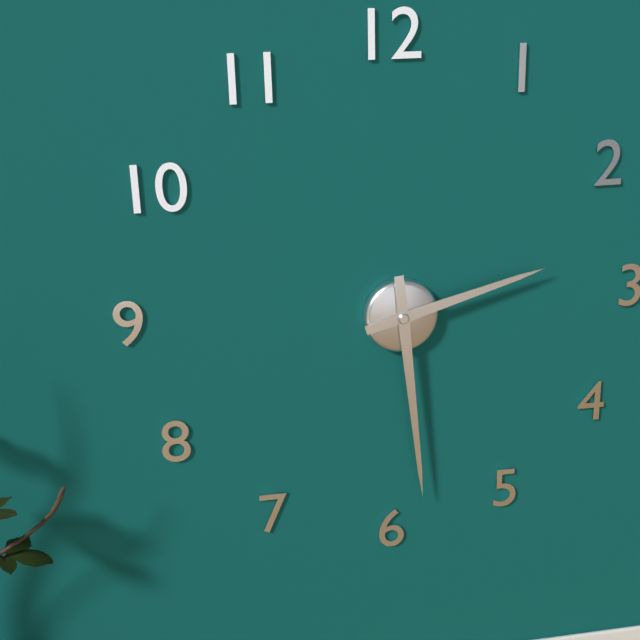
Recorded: 2 h 29 min
